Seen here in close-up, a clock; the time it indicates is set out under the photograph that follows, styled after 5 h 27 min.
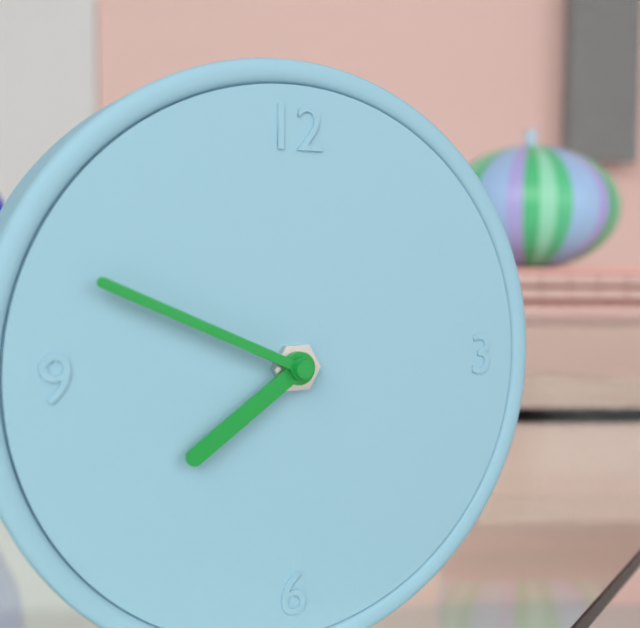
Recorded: 7 h 49 min
